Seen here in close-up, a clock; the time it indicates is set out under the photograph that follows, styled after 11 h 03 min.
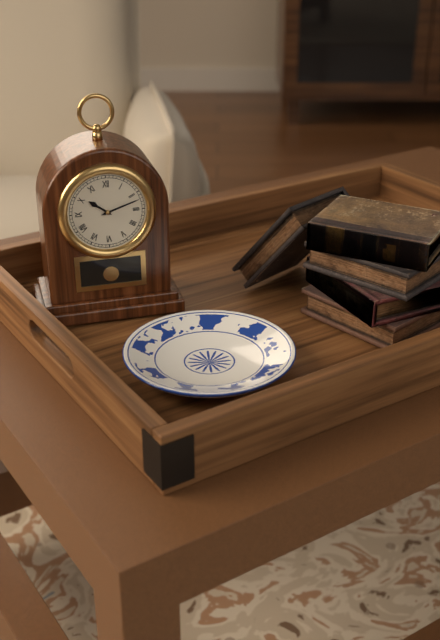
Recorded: 10 h 12 min
